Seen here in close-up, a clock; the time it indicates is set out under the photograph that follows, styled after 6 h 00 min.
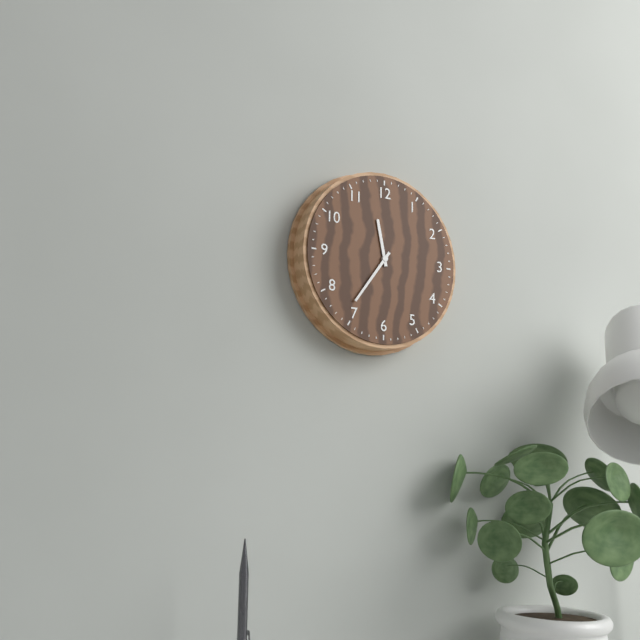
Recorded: 11 h 36 min
